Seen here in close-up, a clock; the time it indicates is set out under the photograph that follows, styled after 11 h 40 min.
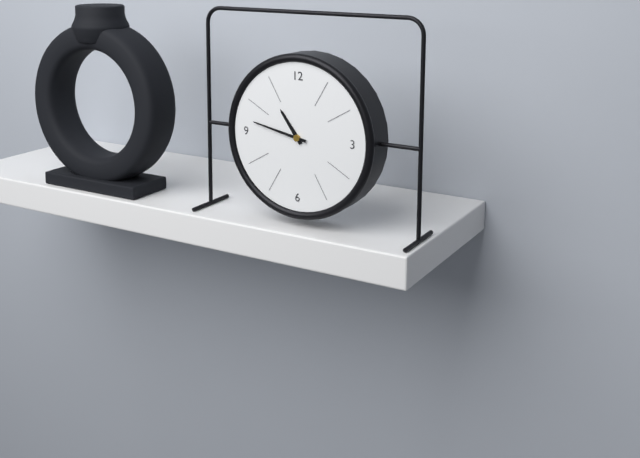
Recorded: 10 h 47 min
